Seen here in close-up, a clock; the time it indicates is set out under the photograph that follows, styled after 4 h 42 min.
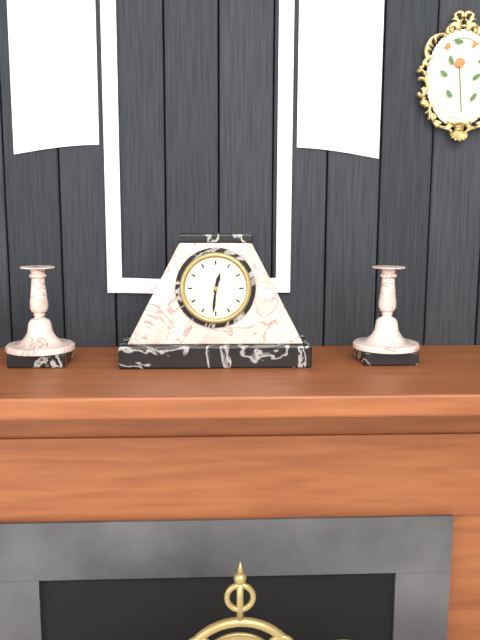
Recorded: 12 h 31 min
